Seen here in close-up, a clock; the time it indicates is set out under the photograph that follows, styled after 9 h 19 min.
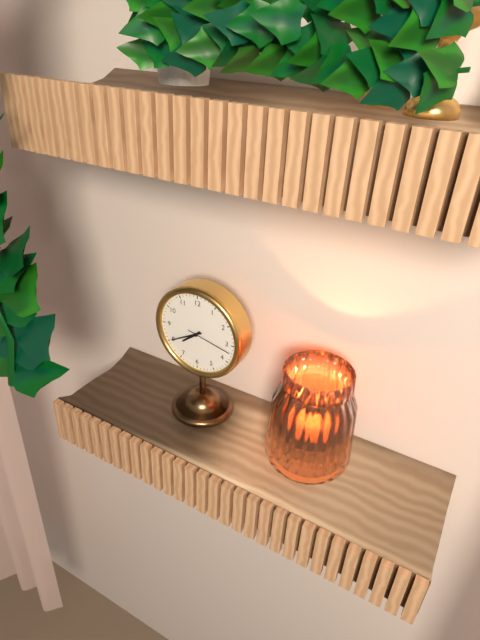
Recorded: 7 h 40 min
